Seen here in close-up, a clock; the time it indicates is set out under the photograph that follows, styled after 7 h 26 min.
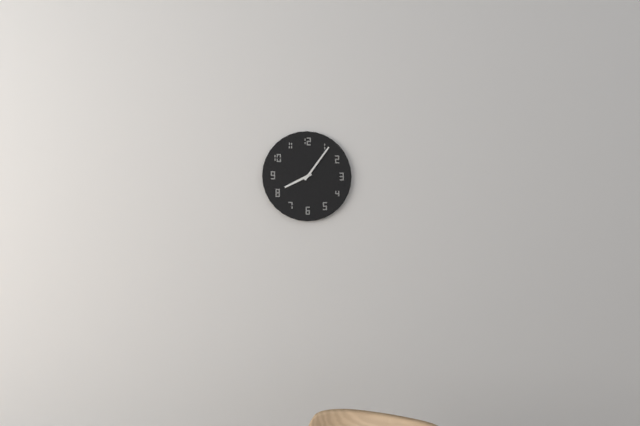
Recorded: 8 h 06 min
